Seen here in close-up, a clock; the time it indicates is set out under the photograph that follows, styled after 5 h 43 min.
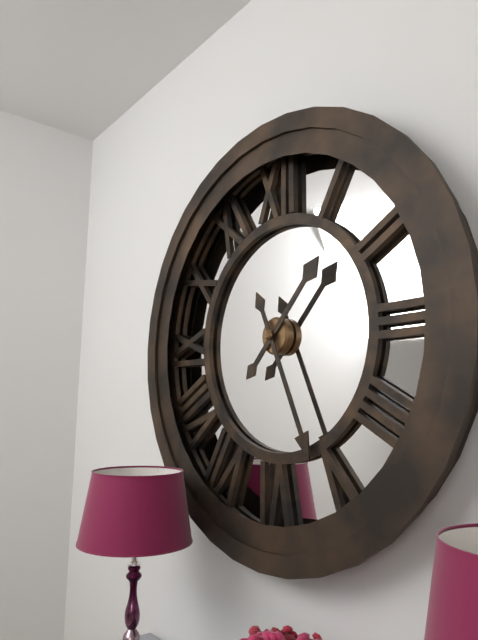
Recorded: 1 h 26 min
